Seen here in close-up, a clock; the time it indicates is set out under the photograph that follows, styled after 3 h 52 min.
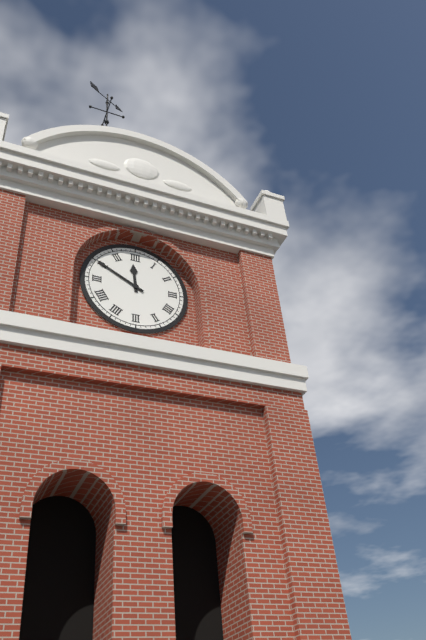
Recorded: 11 h 50 min
